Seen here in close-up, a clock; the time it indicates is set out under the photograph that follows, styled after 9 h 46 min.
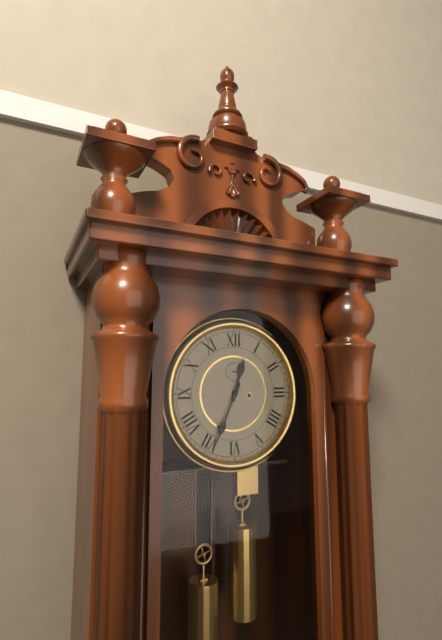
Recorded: 12 h 34 min
